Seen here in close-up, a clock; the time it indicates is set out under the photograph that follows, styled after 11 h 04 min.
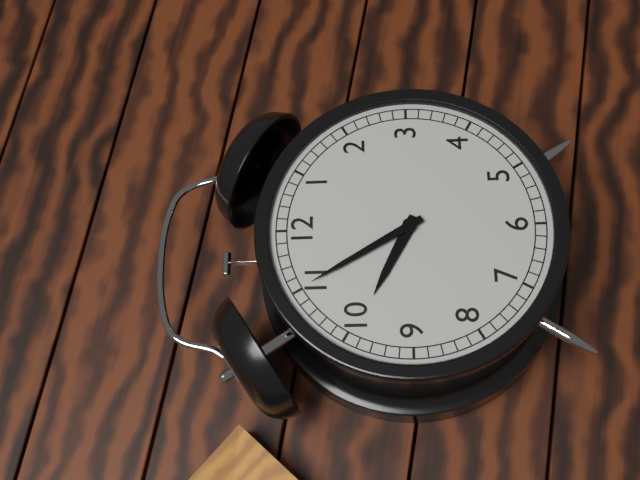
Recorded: 9 h 55 min
